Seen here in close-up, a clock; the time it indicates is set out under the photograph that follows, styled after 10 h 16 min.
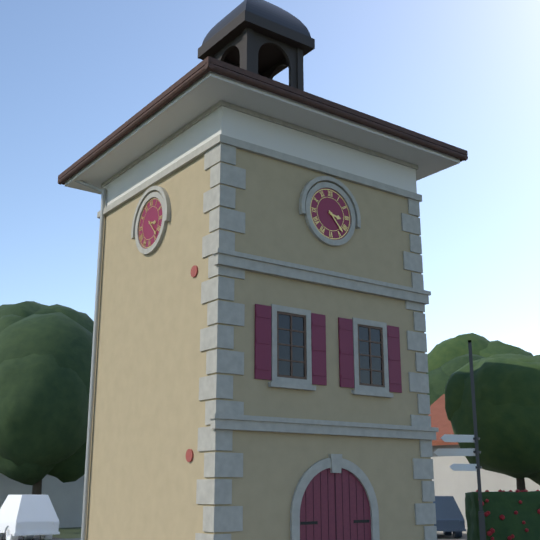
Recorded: 3 h 23 min
